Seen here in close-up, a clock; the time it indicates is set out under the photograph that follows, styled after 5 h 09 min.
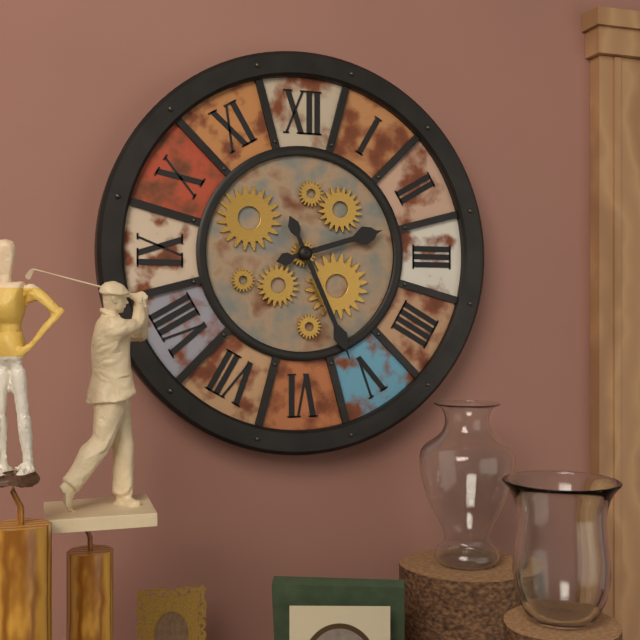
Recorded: 2 h 26 min
